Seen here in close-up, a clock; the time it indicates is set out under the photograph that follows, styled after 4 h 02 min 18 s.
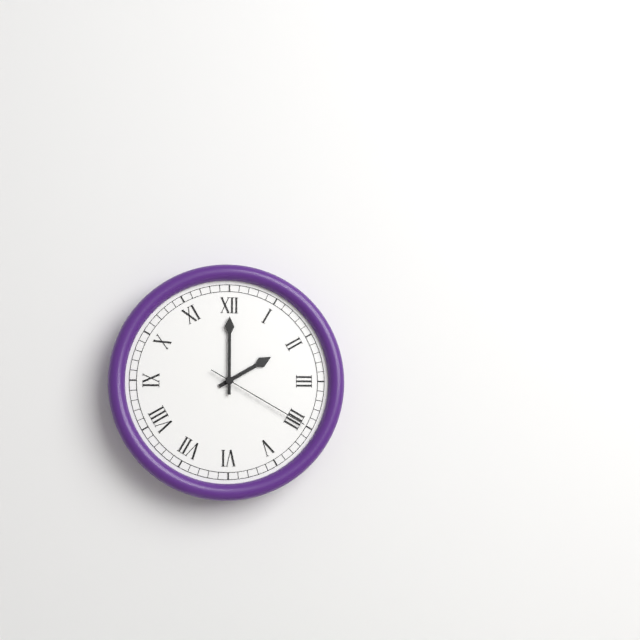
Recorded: 2 h 00 min 20 s
